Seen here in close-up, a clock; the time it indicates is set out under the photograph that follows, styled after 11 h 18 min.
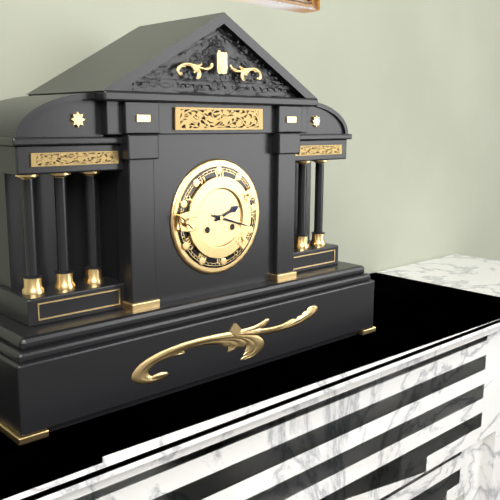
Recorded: 2 h 18 min
